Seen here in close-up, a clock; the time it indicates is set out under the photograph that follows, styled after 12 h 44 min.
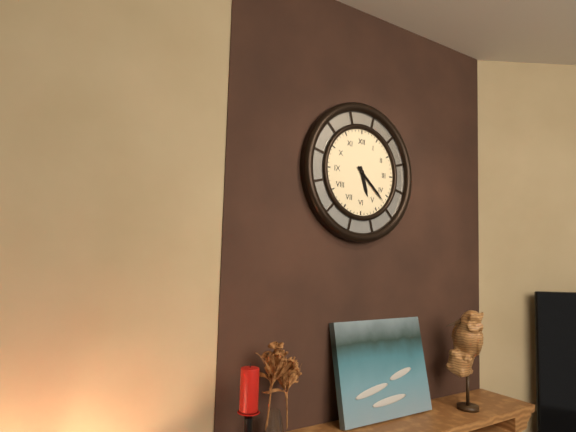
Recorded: 5 h 22 min
